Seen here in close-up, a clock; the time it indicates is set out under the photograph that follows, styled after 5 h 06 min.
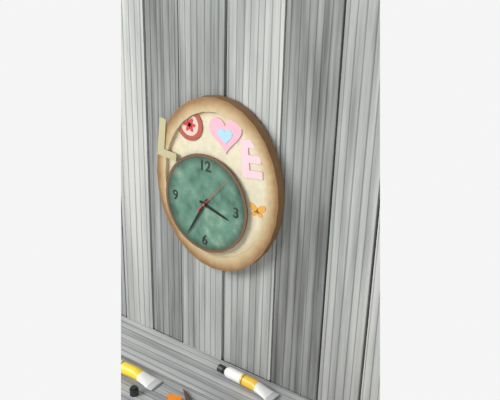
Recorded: 3 h 35 min
